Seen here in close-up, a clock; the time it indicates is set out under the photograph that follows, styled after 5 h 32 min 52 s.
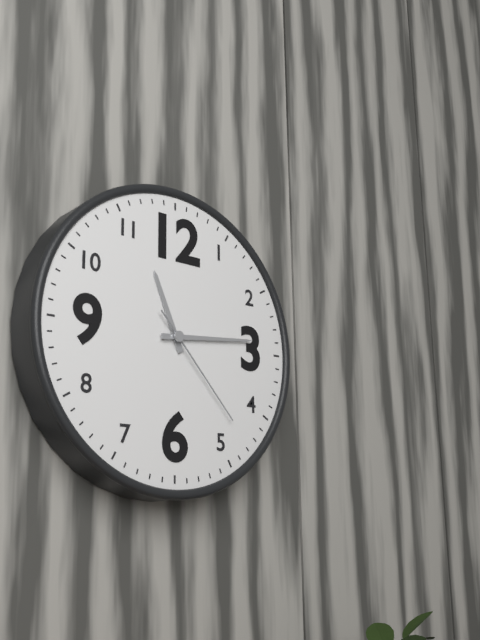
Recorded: 11 h 14 min 23 s
